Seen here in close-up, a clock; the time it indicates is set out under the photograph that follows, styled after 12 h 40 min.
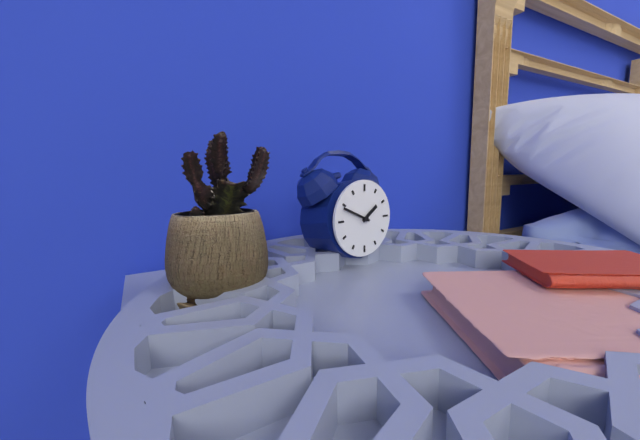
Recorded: 1 h 49 min
